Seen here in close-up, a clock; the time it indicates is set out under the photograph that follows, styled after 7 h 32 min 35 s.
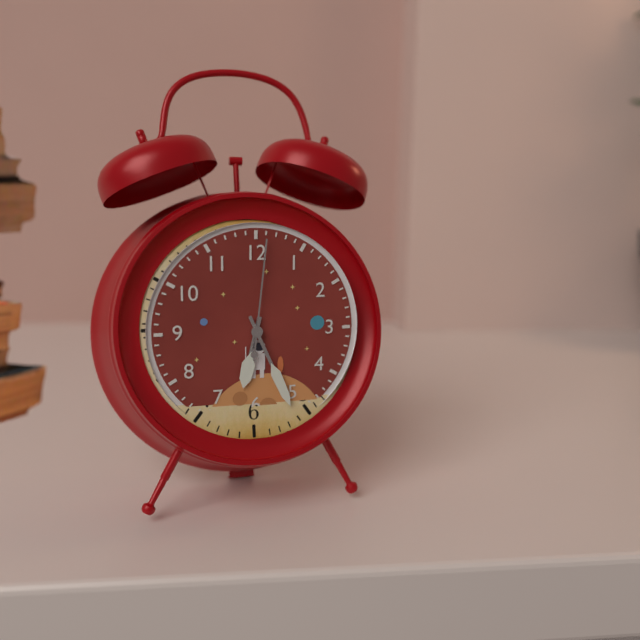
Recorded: 6 h 26 min 01 s
